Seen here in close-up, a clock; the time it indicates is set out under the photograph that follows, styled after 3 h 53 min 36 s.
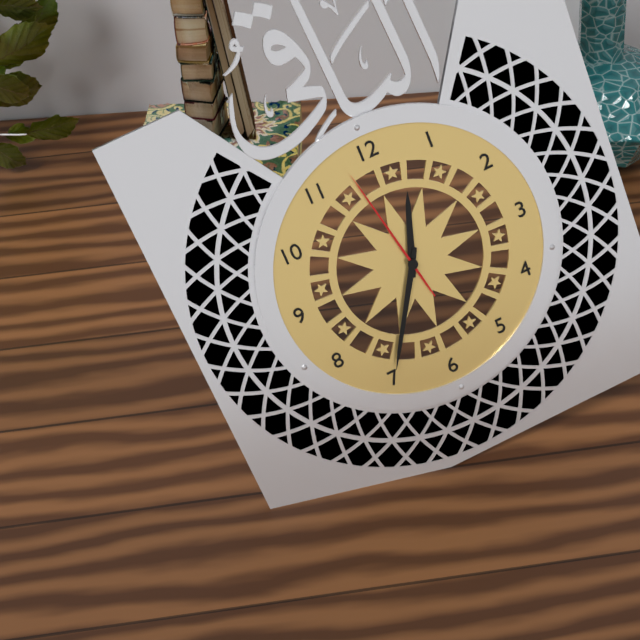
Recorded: 12 h 35 min 58 s
